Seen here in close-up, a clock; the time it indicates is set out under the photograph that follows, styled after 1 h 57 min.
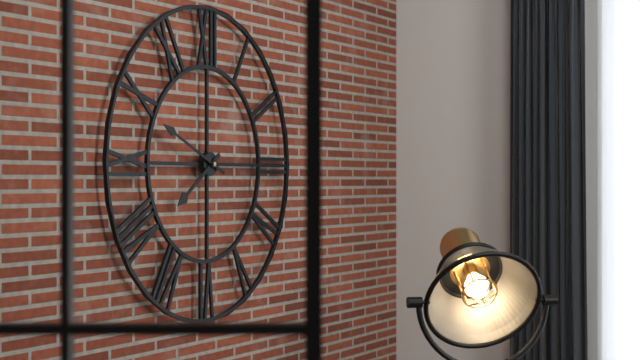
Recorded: 7 h 49 min
